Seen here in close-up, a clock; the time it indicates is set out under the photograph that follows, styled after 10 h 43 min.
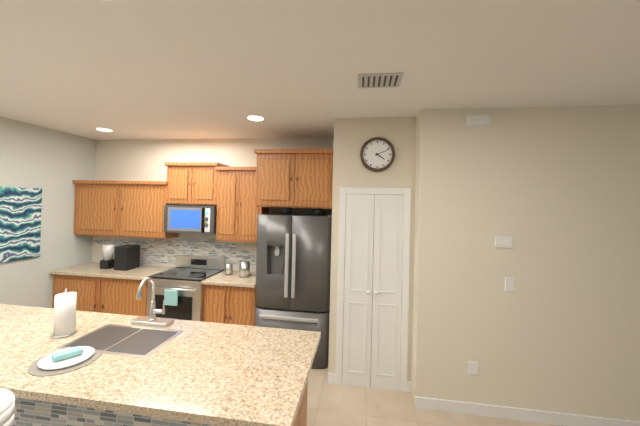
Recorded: 4 h 11 min
